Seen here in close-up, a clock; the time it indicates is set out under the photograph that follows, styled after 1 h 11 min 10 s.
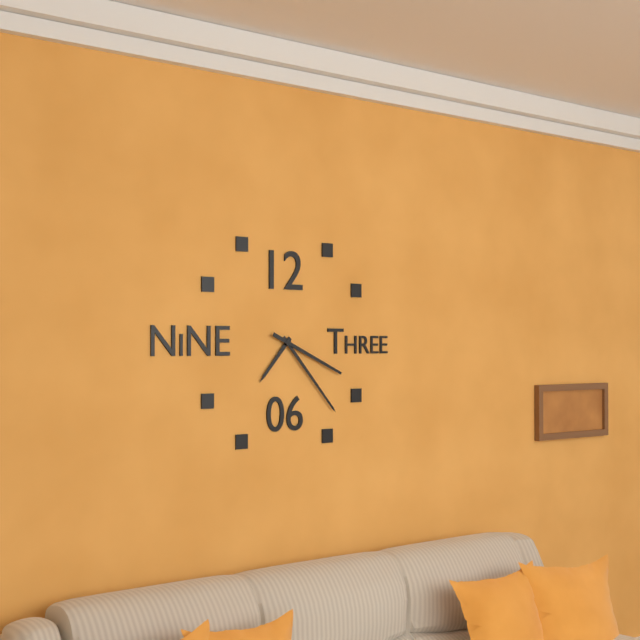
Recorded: 7 h 23 min 19 s
